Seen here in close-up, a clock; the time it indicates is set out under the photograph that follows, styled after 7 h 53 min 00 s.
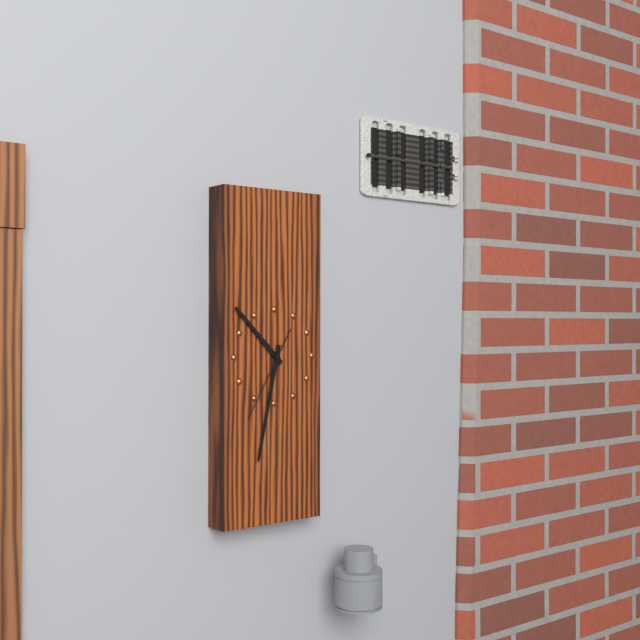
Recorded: 10 h 32 min 35 s
